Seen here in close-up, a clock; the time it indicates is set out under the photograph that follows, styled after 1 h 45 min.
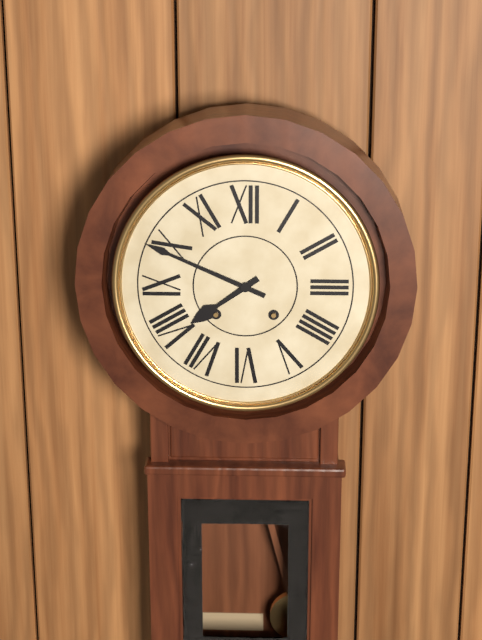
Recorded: 7 h 49 min
